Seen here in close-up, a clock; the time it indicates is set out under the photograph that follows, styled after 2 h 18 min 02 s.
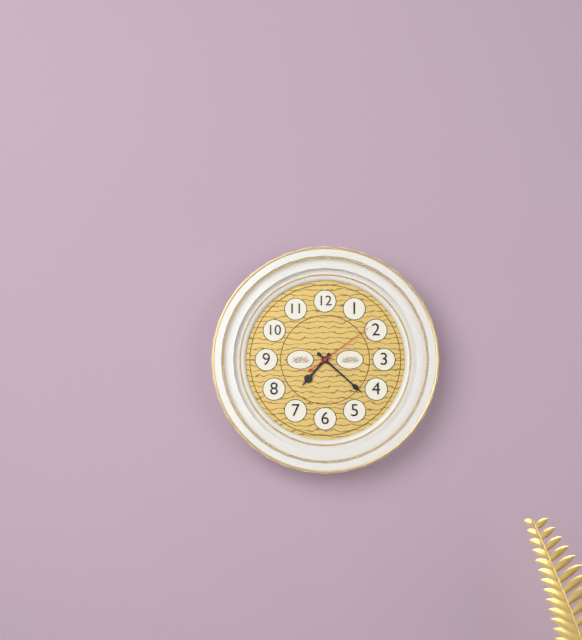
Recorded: 7 h 22 min 09 s
